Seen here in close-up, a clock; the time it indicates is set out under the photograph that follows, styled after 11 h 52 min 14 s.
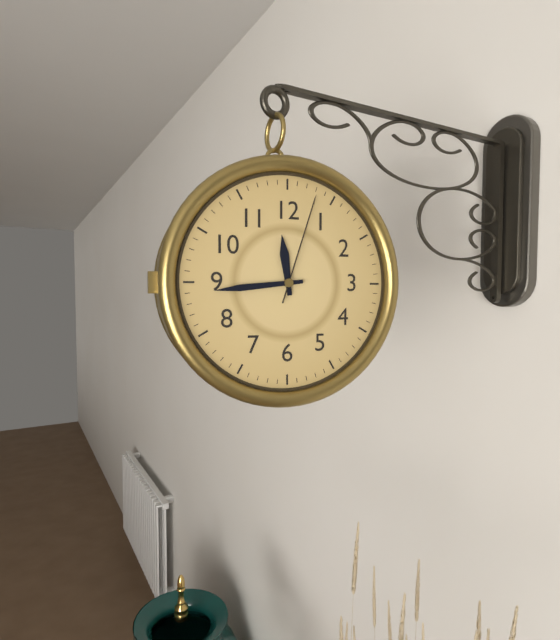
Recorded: 11 h 44 min 03 s
